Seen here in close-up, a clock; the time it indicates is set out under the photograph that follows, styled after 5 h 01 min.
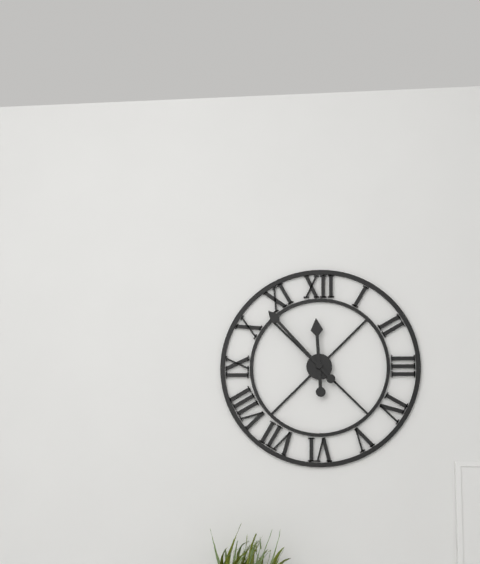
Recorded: 11 h 53 min
